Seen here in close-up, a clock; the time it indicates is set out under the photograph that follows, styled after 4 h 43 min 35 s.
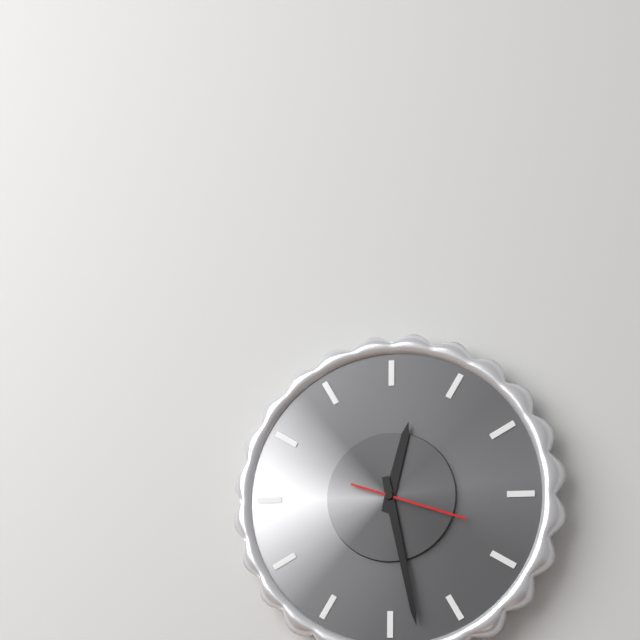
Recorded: 12 h 28 min 18 s
